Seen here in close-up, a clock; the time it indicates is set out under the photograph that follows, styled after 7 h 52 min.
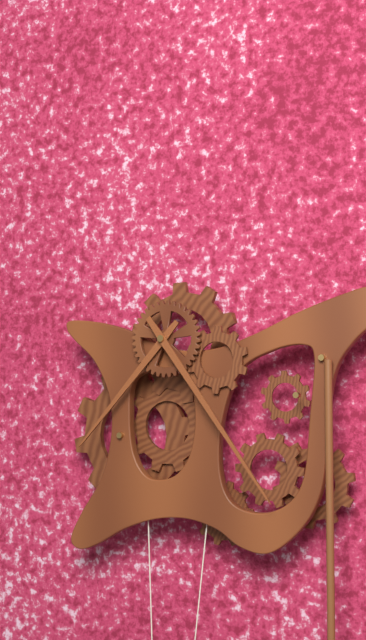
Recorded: 7 h 24 min
